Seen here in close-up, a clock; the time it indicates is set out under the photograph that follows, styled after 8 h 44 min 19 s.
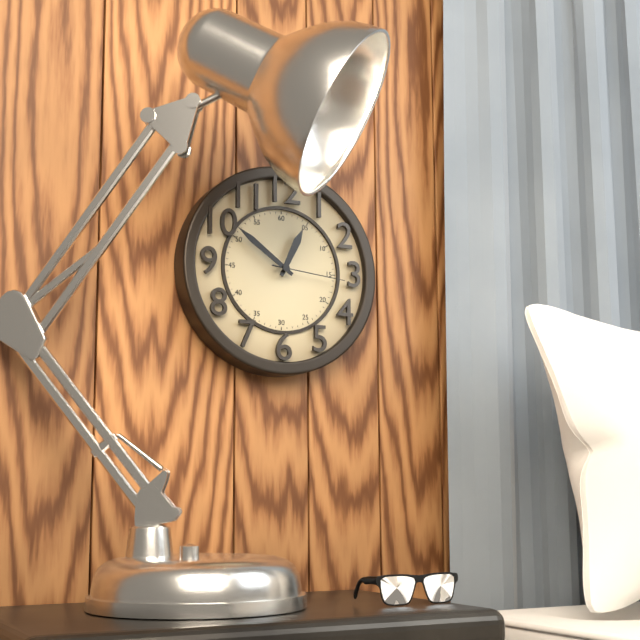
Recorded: 12 h 51 min 16 s
